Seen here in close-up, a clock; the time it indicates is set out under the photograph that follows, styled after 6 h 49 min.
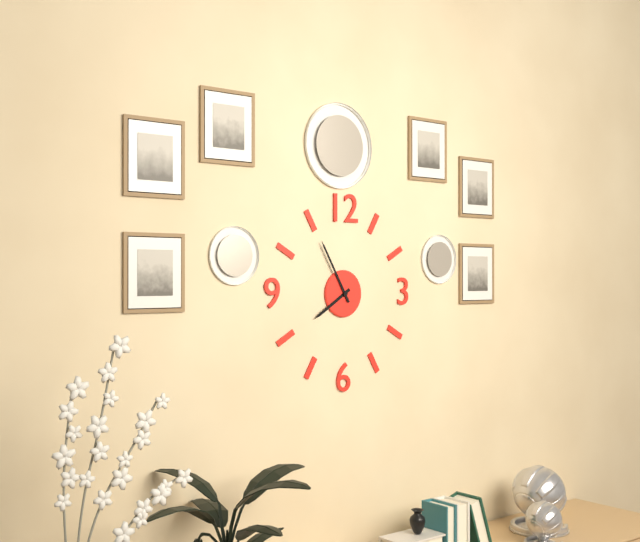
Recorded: 7 h 55 min
